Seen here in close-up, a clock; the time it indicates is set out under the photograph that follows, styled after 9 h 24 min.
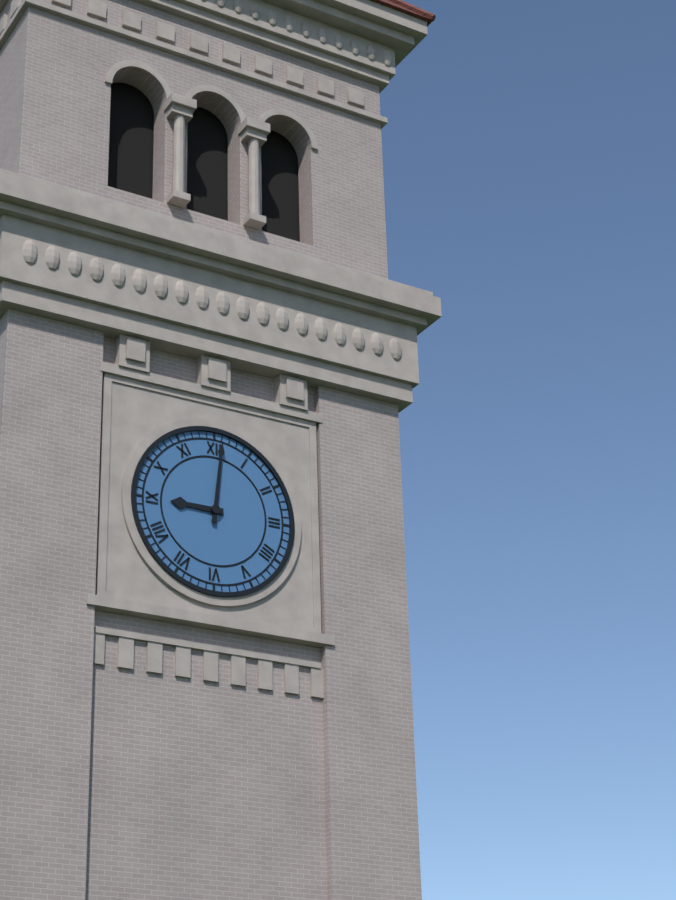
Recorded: 9 h 01 min
